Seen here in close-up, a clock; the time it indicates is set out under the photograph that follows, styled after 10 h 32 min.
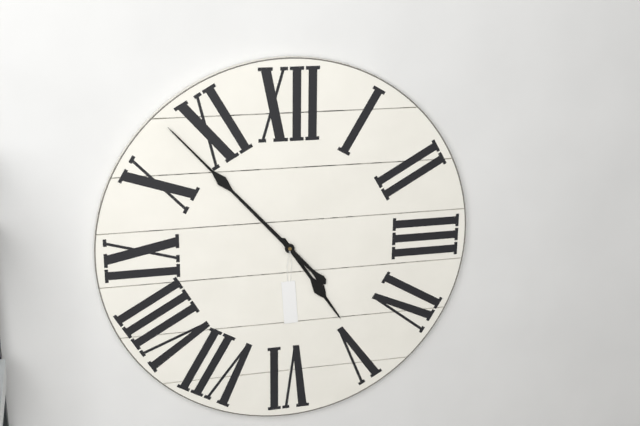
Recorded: 4 h 53 min
